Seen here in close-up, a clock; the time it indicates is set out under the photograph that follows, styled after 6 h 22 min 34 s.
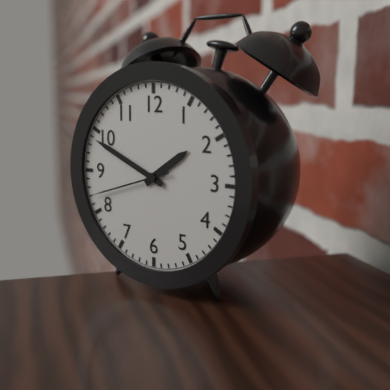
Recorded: 1 h 49 min 42 s
